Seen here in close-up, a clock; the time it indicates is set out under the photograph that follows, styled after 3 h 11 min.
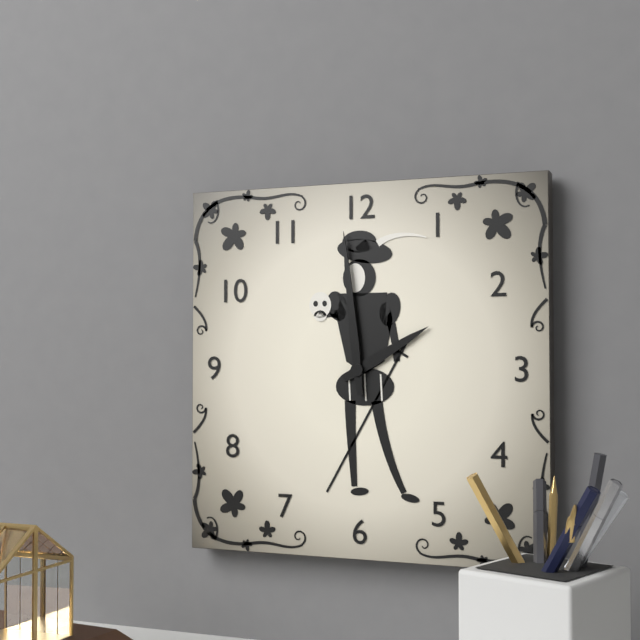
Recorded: 1 h 59 min
